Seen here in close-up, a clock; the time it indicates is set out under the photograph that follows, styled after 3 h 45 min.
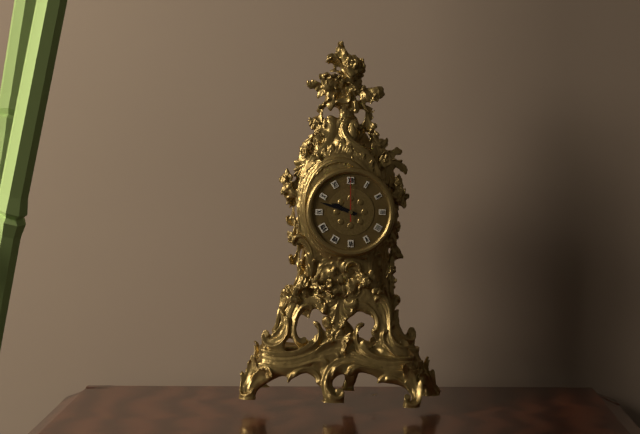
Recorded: 9 h 48 min
